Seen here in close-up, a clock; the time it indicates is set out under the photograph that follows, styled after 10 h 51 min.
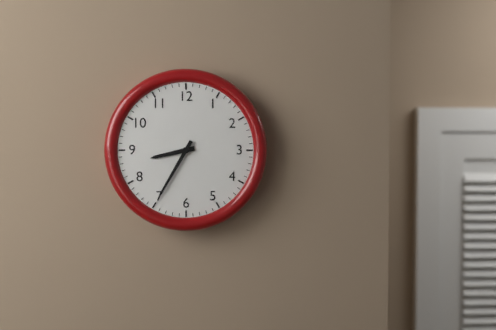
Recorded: 8 h 35 min
